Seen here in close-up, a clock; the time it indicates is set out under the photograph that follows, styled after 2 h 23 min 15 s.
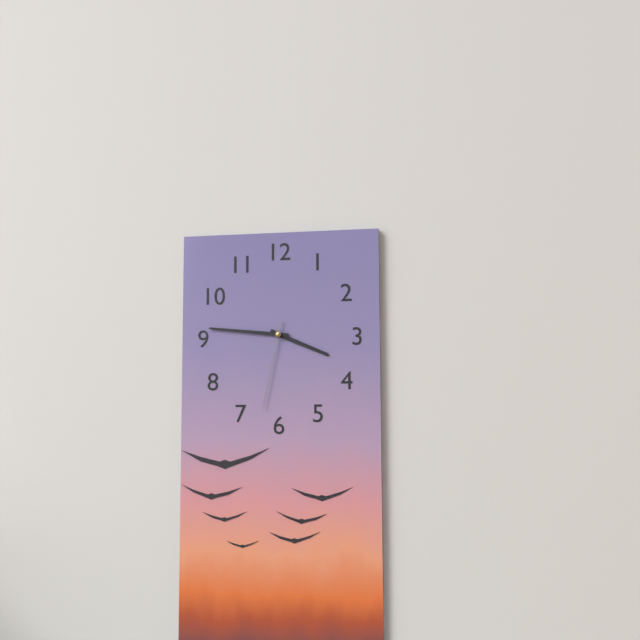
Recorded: 3 h 46 min 32 s
